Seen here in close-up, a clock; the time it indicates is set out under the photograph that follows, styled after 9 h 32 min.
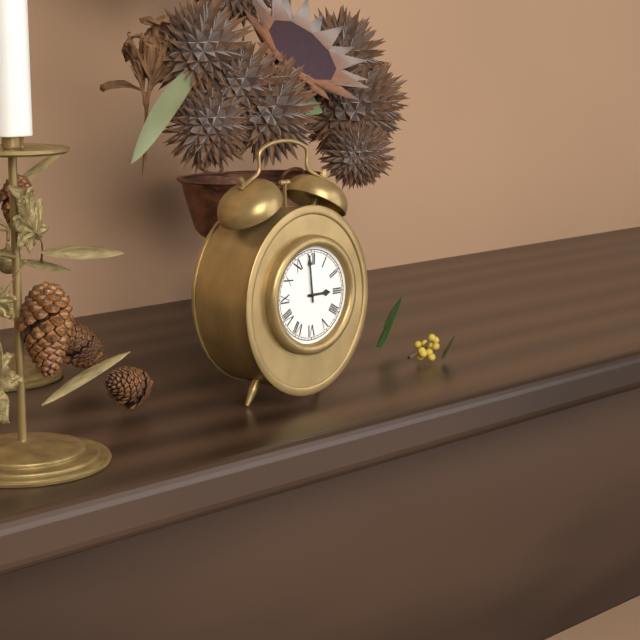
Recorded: 2 h 59 min
